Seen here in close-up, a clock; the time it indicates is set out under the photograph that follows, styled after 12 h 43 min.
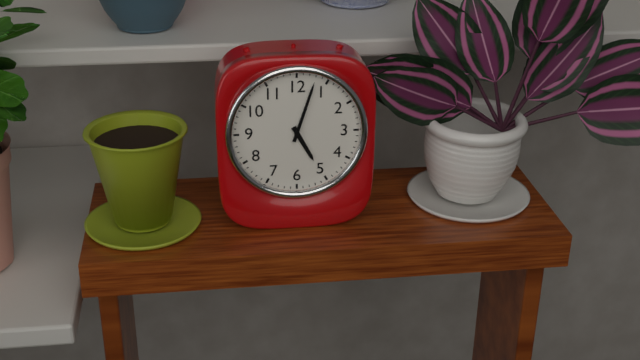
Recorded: 5 h 03 min
